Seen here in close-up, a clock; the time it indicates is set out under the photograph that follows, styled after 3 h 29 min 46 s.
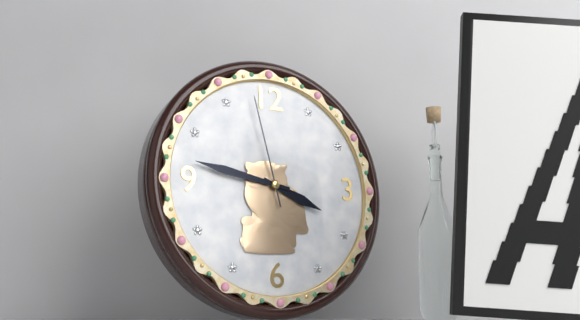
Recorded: 3 h 47 min 58 s
